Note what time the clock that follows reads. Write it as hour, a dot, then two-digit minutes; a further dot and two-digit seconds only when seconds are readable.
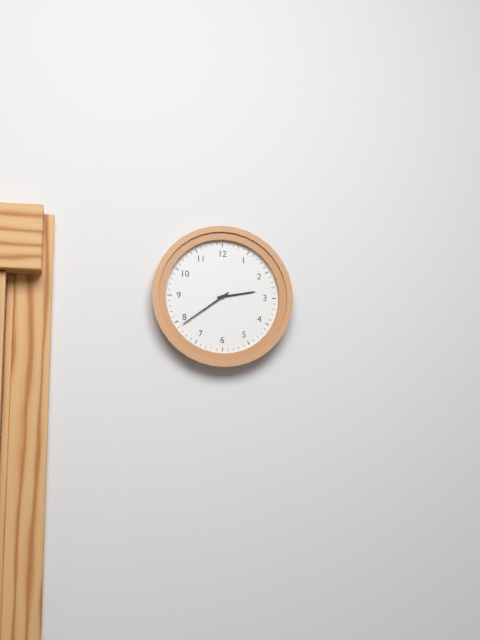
2.39
